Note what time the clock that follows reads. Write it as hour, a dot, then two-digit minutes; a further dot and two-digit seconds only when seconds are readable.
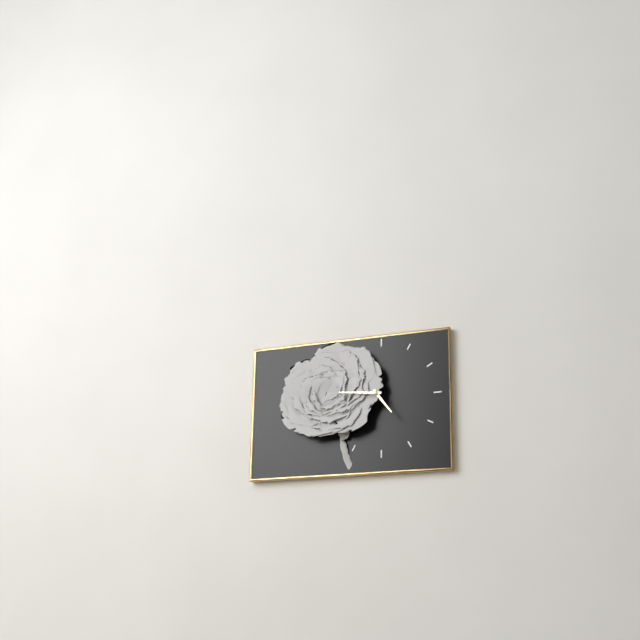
4.46
